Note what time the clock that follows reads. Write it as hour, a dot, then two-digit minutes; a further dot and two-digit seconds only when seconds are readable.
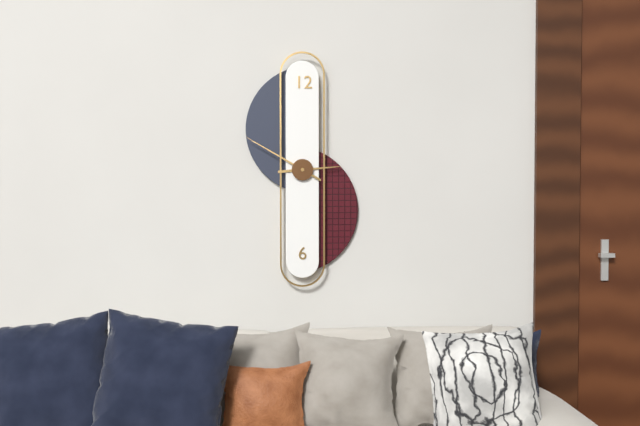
2.50
